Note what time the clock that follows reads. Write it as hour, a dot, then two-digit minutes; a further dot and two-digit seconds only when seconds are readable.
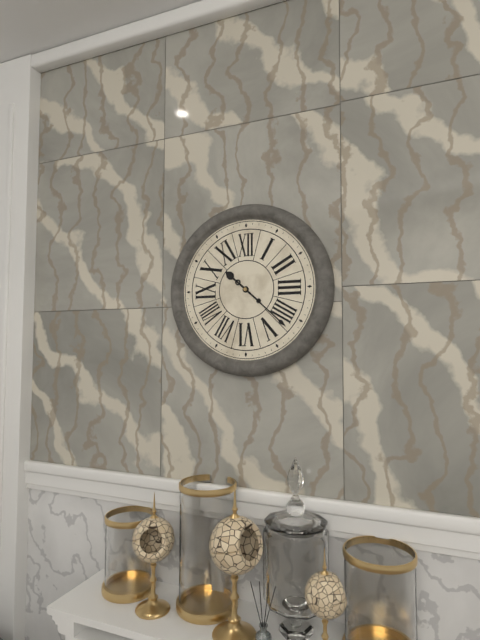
10.22
